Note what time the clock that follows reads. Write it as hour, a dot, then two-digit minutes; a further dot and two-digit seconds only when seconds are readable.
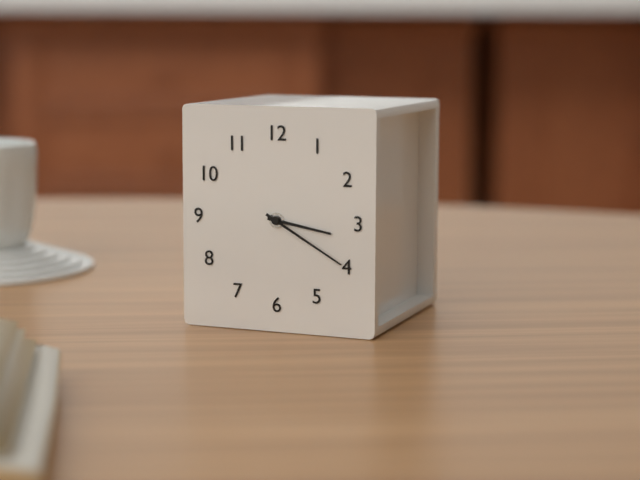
3.20
